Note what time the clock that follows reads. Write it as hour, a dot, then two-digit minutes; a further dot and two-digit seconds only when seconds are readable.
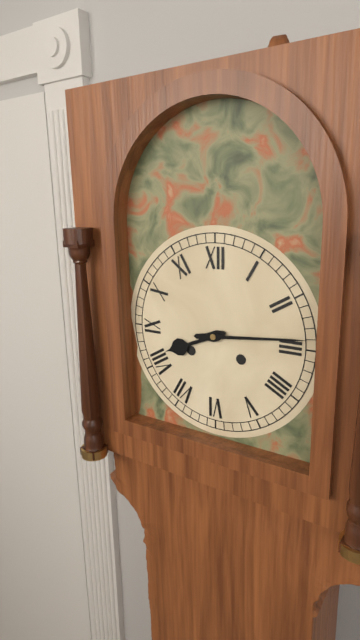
8.14
